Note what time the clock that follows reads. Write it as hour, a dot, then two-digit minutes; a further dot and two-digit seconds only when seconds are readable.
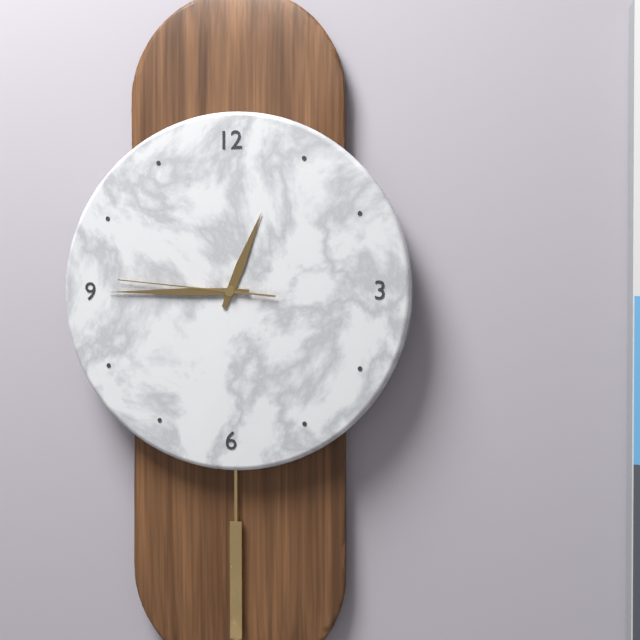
12.45.46
